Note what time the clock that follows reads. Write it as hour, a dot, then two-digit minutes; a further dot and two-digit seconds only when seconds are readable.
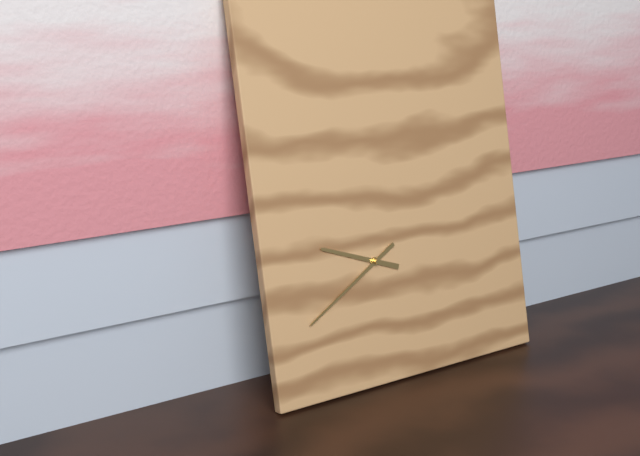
9.40
